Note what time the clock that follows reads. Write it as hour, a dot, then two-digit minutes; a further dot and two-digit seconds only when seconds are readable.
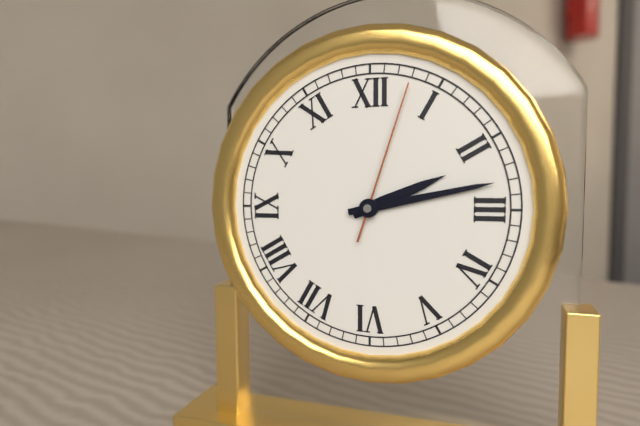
2.13.03
